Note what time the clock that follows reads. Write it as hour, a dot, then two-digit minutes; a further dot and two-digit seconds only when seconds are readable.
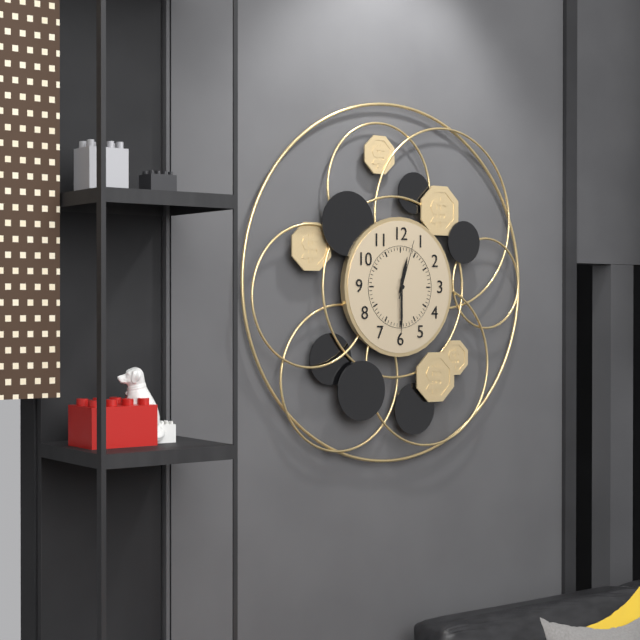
12.30.03
